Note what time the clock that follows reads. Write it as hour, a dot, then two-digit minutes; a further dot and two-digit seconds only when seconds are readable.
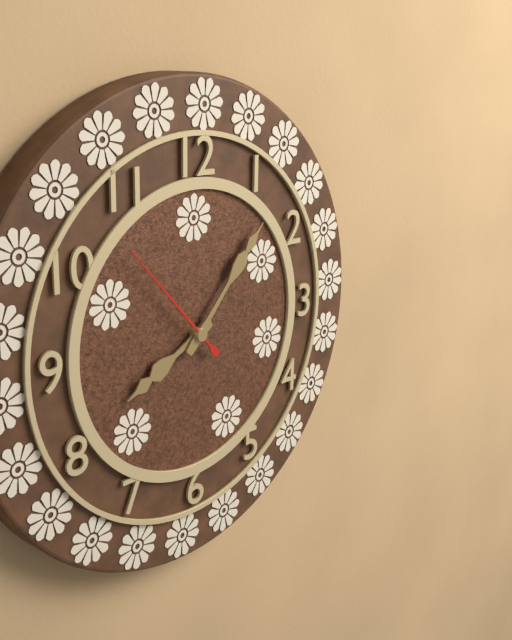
8.07.53
